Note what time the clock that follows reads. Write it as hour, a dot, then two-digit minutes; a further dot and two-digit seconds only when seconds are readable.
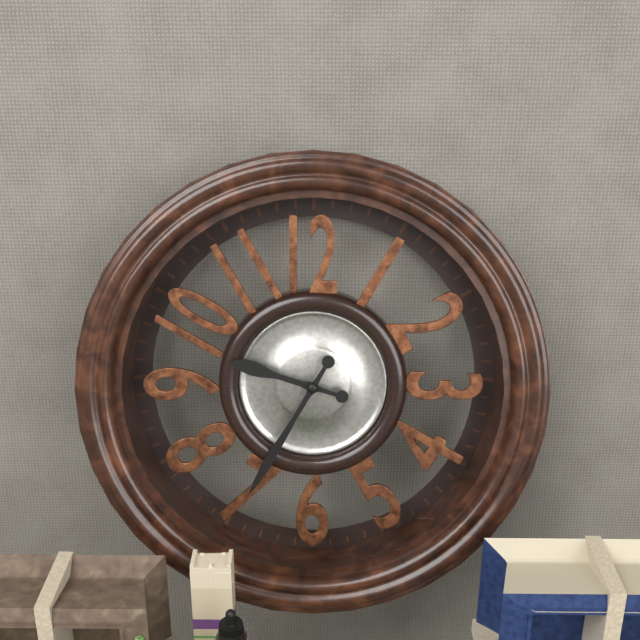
9.35
